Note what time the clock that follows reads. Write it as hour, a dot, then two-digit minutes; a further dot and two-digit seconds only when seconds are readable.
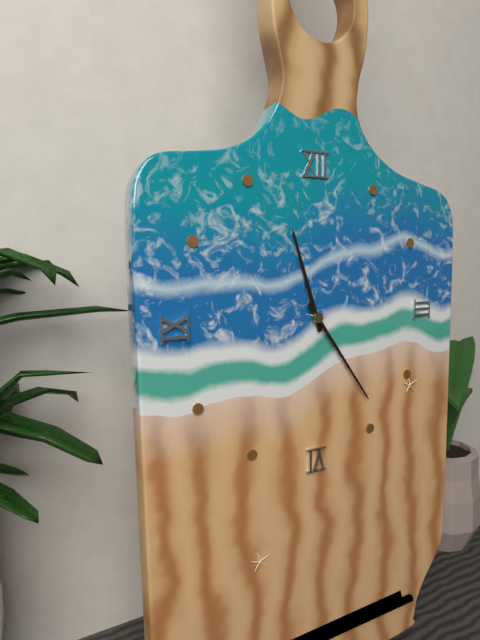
11.24
